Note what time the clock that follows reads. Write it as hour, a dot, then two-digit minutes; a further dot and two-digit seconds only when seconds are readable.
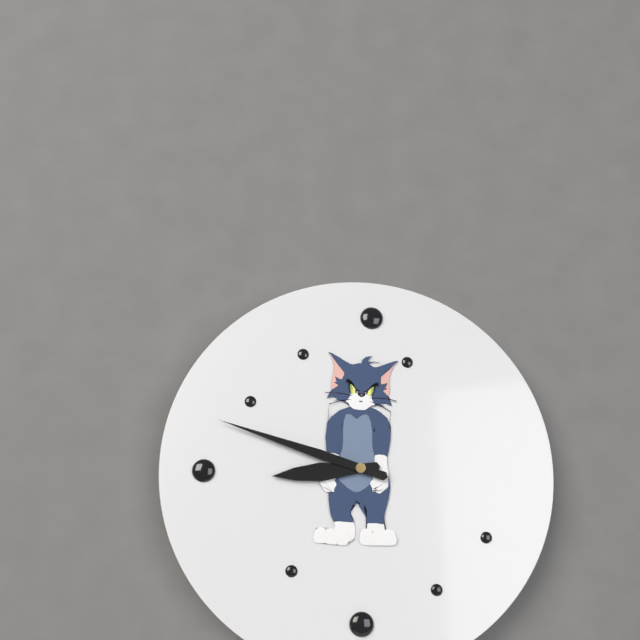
8.48
